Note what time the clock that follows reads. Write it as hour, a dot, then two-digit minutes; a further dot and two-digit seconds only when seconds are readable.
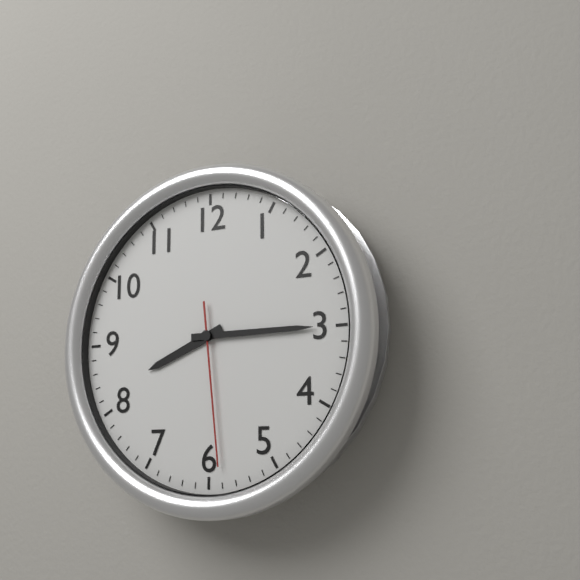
8.15.29
